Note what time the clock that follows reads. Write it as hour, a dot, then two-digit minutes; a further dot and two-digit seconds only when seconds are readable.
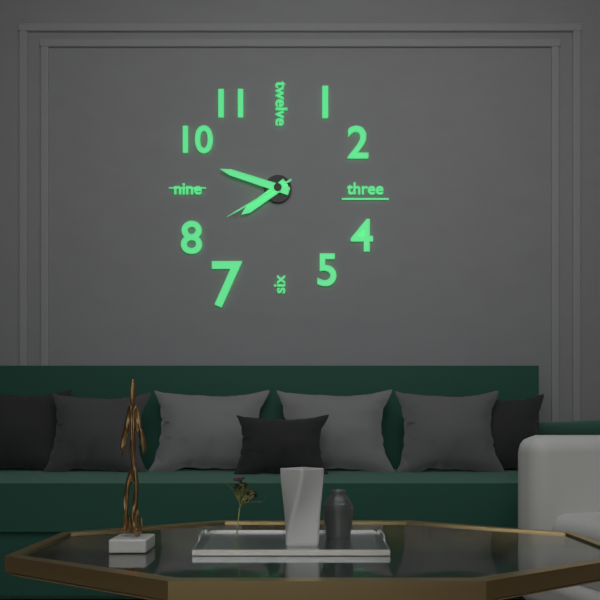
7.48.40
